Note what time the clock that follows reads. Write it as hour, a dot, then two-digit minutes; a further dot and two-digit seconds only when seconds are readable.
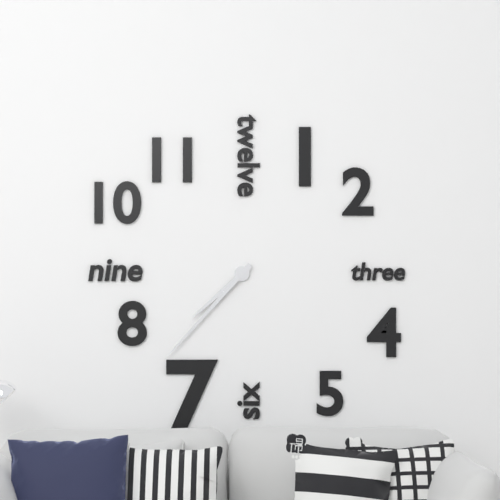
7.37
